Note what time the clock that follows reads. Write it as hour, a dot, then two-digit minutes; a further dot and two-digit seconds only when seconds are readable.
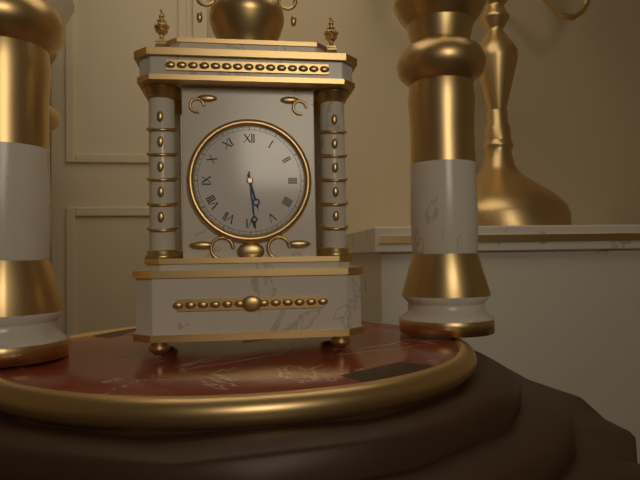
5.29
